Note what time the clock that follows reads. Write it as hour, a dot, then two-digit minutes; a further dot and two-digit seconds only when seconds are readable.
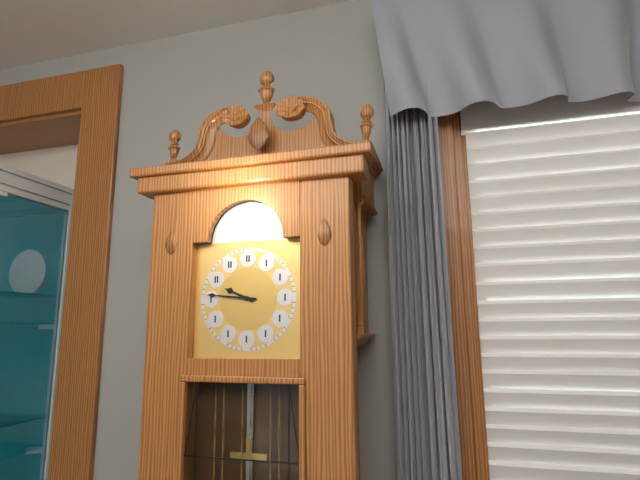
9.46
